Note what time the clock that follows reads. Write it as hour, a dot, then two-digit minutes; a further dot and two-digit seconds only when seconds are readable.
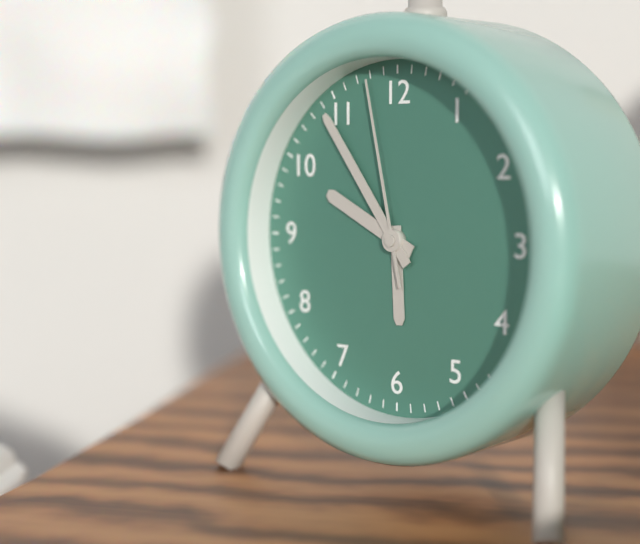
9.54.58
